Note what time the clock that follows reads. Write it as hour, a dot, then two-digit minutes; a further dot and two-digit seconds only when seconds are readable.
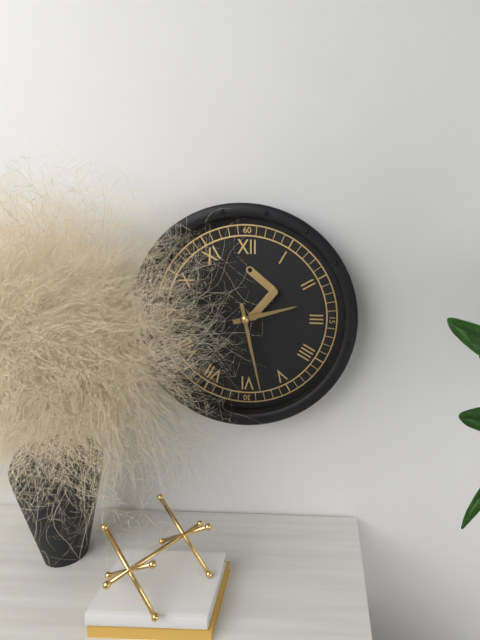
2.28
